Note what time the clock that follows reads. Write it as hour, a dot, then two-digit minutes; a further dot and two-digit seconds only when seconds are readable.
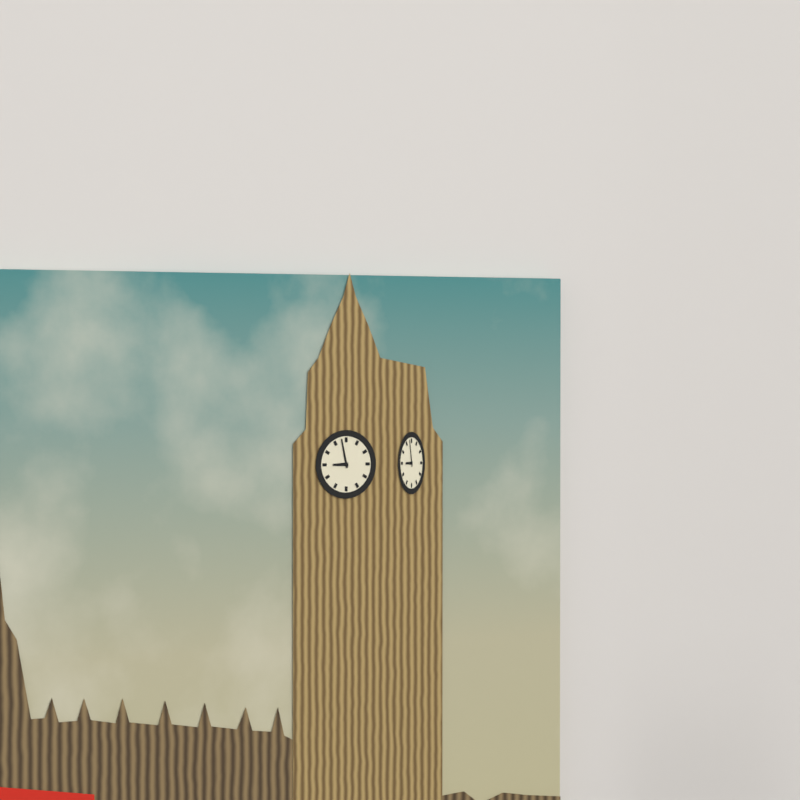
8.58
